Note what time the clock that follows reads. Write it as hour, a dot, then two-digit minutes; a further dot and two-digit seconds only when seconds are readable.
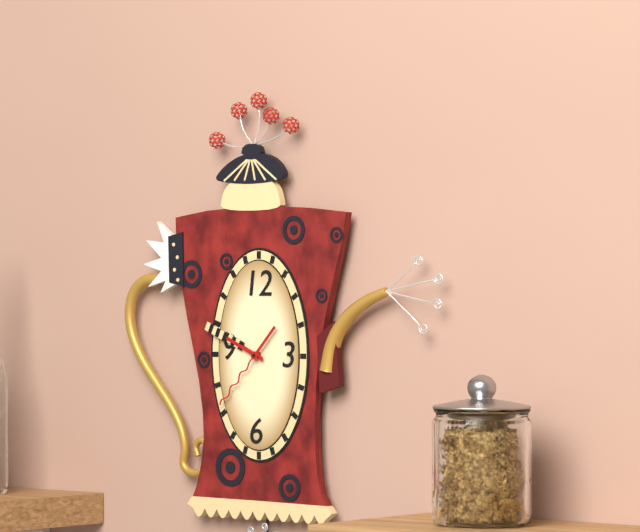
9.49.37
